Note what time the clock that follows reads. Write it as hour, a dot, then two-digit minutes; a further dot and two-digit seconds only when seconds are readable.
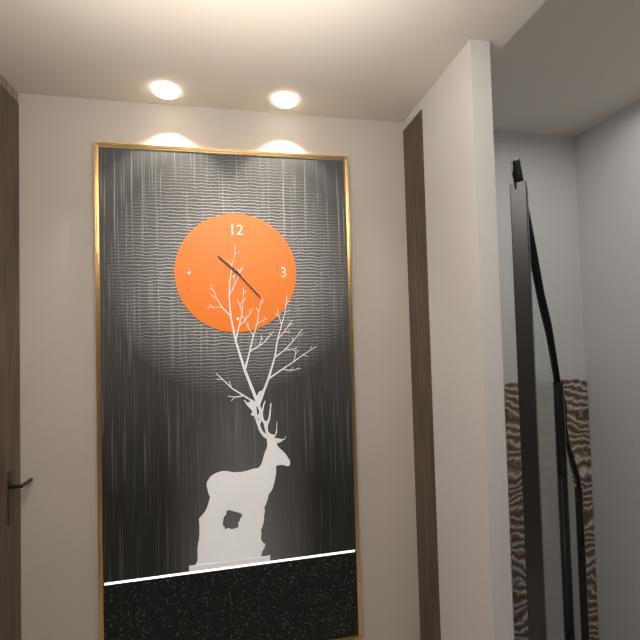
10.23
